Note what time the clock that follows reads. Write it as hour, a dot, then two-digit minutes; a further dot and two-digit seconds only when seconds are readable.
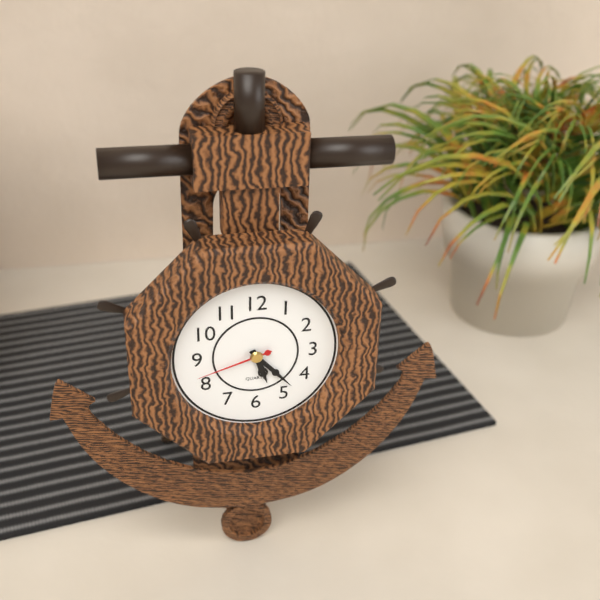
5.23.42
